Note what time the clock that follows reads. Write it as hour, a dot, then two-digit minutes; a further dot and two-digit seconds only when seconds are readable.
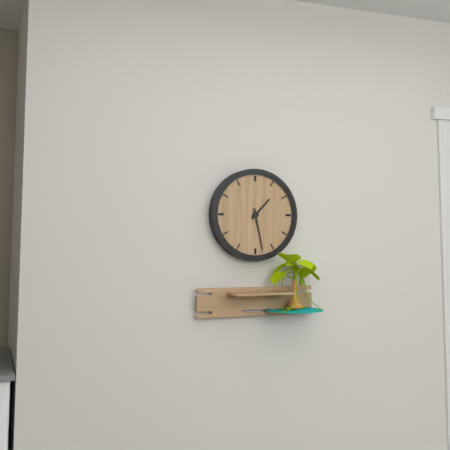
1.28
